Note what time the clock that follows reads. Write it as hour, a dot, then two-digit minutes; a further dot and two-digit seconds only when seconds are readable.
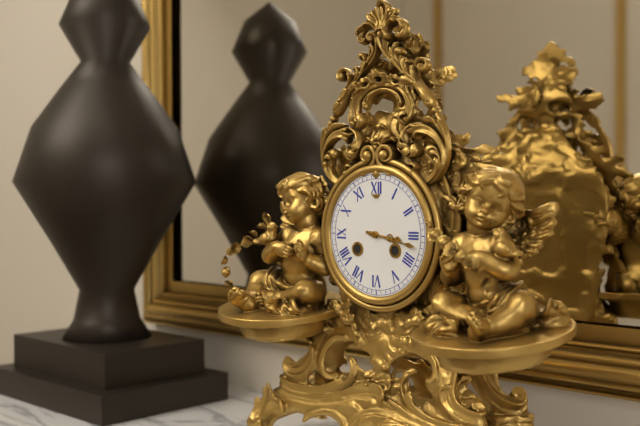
3.17
